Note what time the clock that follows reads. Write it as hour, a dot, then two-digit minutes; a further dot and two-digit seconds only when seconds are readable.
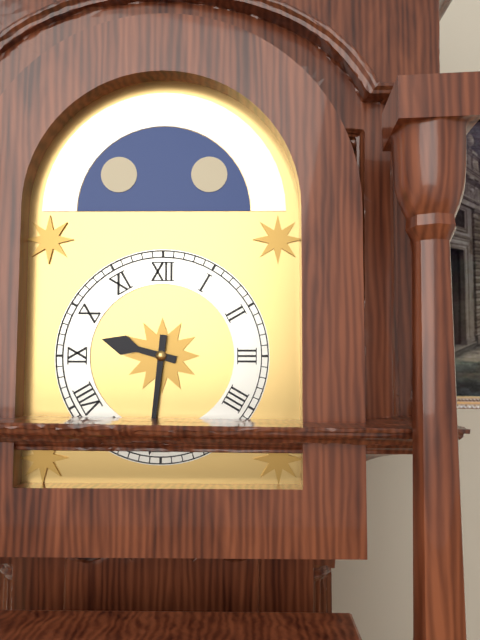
9.31
